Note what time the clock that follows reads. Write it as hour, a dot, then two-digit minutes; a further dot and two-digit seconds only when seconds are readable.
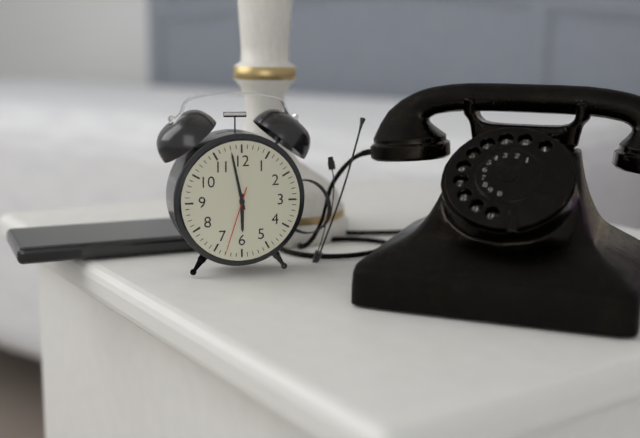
5.58.33
